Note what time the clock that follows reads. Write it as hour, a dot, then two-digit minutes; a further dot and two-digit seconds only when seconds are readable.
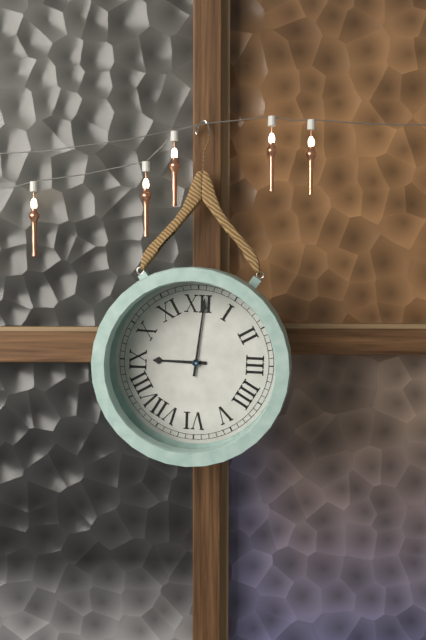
9.01
